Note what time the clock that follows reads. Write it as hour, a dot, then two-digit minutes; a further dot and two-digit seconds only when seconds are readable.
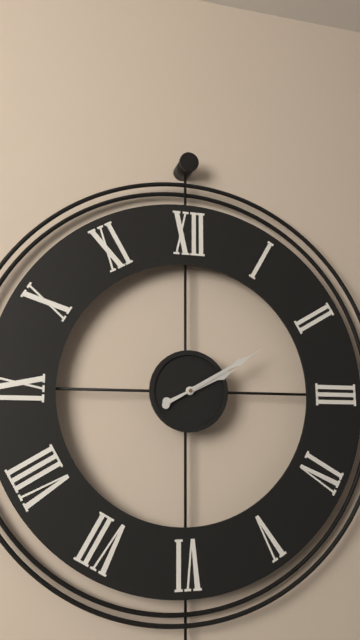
2.10
